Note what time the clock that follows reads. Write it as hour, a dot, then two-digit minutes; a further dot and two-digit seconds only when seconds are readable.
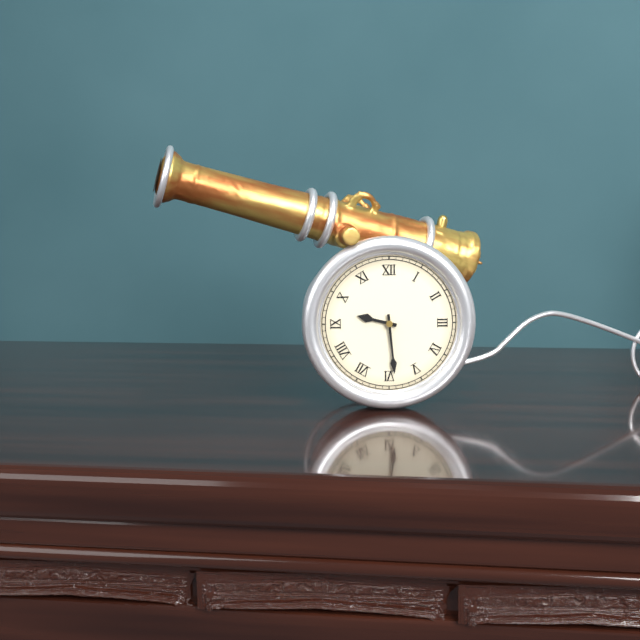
9.29
